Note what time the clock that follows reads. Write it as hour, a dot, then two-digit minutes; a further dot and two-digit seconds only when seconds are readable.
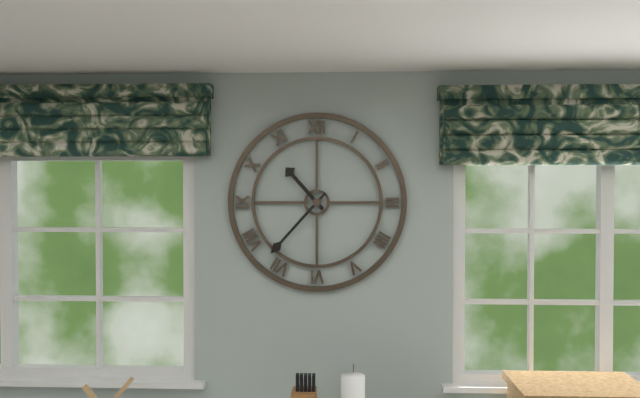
10.37
